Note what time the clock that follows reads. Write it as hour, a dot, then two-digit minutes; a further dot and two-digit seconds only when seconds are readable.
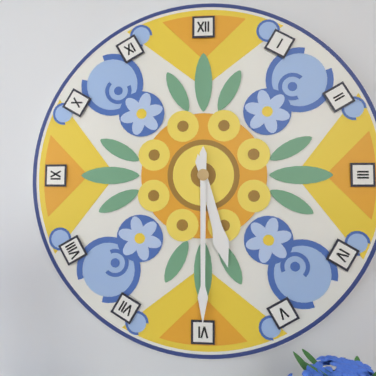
5.30
